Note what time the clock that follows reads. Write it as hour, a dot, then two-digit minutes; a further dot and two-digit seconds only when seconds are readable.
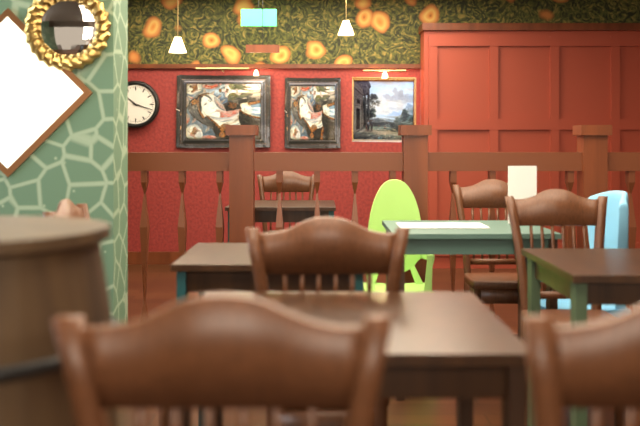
10.18
